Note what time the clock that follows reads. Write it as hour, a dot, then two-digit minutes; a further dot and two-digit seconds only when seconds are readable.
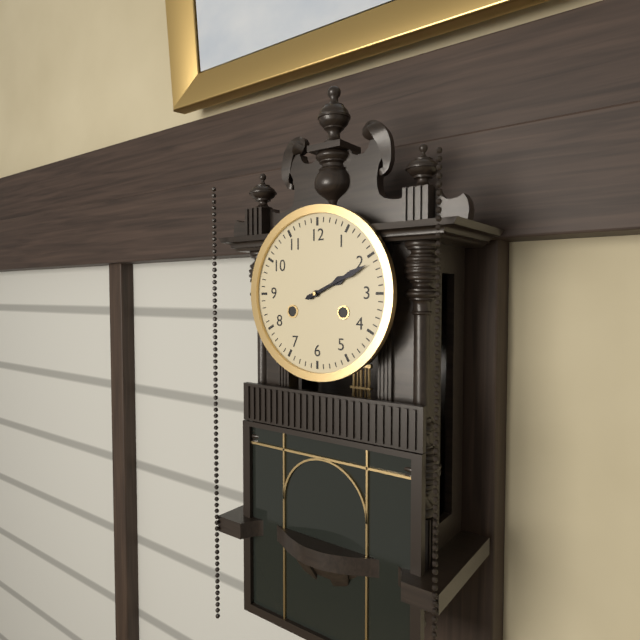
2.11
